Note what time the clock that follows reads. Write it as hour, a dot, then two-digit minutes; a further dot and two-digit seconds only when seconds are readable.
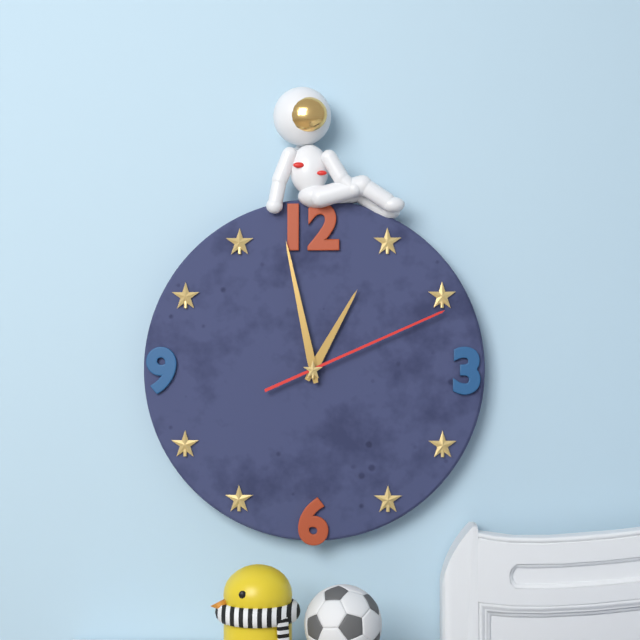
12.58.11
